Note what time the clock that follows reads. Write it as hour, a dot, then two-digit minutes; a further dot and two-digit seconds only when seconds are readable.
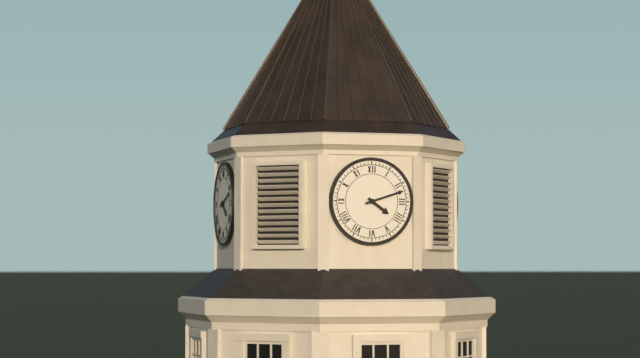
4.12
